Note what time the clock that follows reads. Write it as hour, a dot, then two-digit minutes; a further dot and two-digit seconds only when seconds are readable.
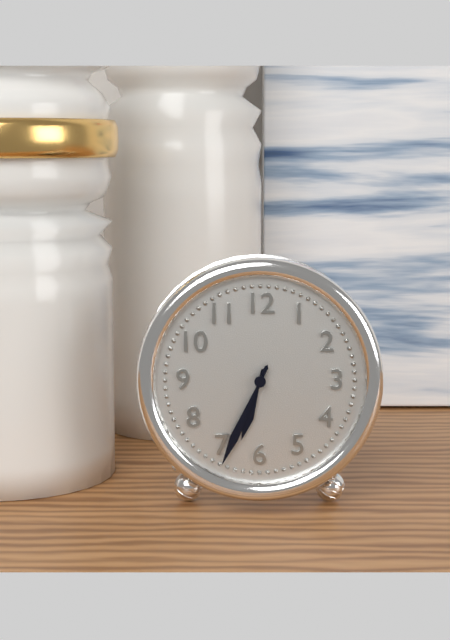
6.34
